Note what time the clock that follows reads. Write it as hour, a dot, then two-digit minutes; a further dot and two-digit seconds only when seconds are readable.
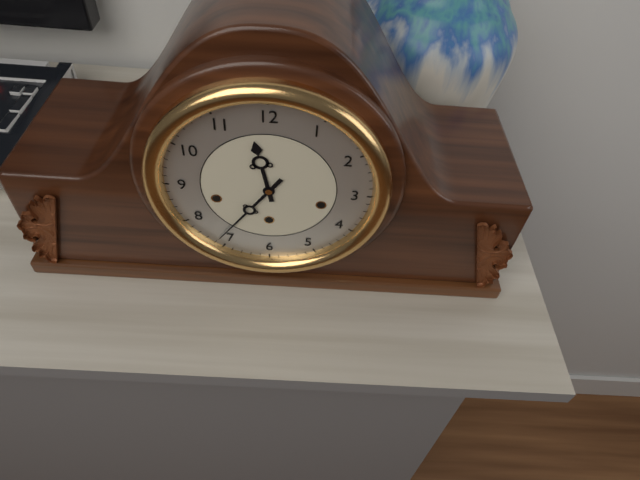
11.36
